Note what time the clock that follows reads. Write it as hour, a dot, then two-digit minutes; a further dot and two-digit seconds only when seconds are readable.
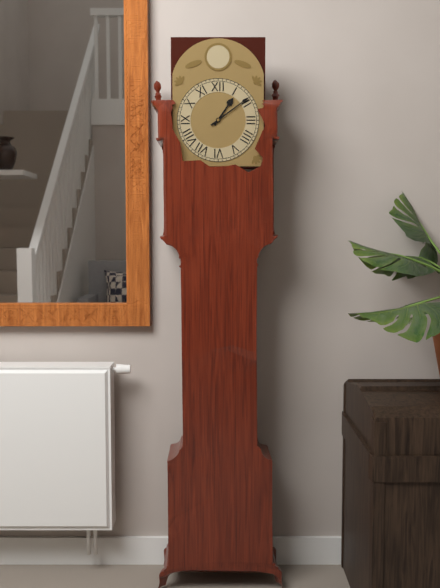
1.09
